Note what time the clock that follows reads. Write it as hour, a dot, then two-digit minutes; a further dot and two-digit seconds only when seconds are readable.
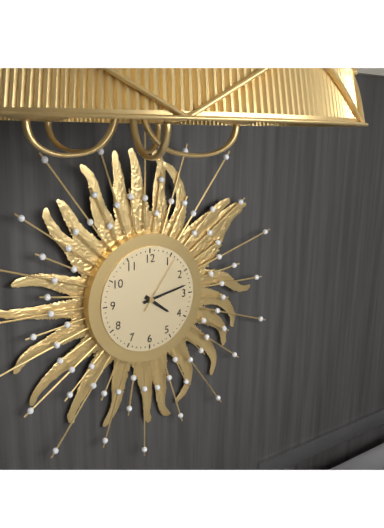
4.13.06
